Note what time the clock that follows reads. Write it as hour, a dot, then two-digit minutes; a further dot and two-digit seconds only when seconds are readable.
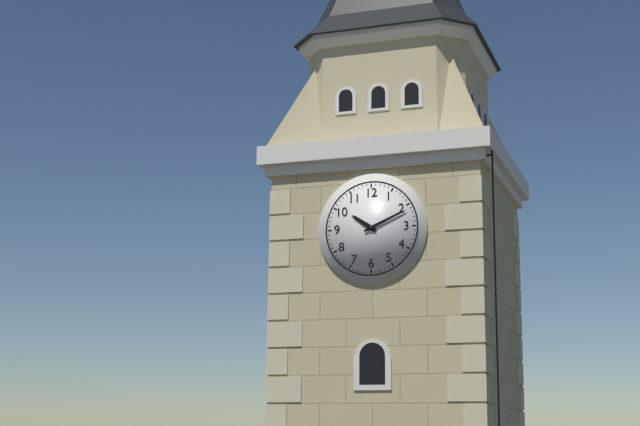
10.11
